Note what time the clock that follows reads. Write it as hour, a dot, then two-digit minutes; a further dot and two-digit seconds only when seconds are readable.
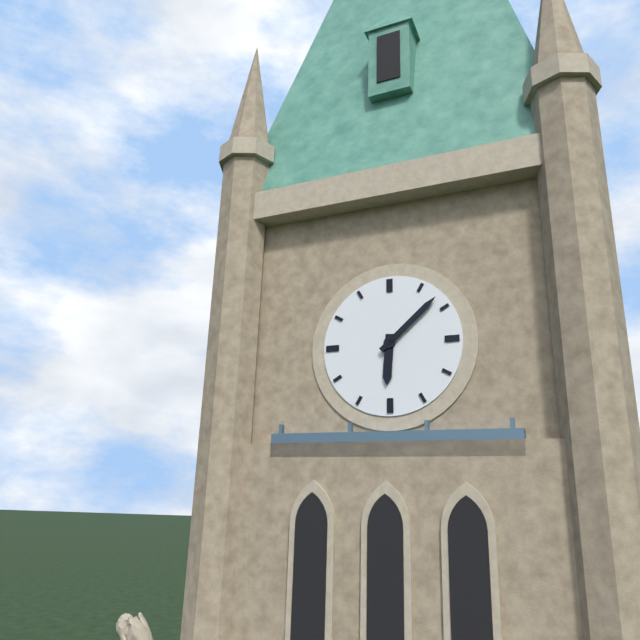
6.08
